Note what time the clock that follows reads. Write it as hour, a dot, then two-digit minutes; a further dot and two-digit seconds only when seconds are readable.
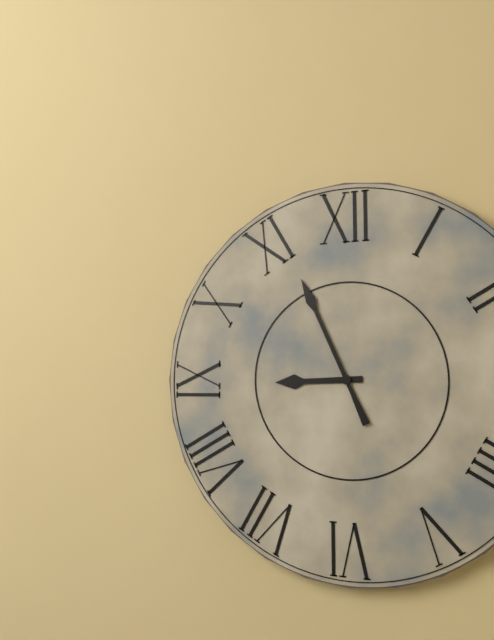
8.56
